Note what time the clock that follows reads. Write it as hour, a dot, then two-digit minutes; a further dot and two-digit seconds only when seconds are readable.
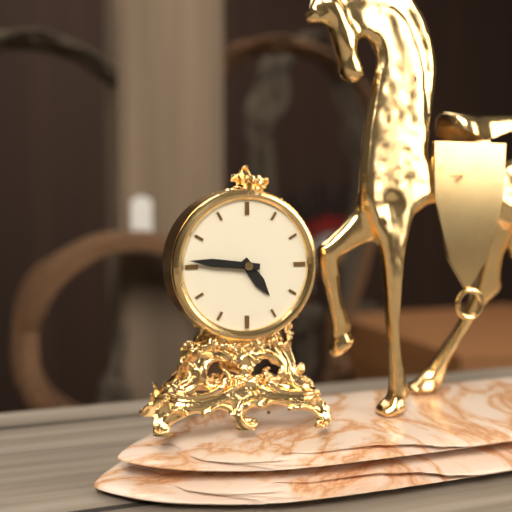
4.46
